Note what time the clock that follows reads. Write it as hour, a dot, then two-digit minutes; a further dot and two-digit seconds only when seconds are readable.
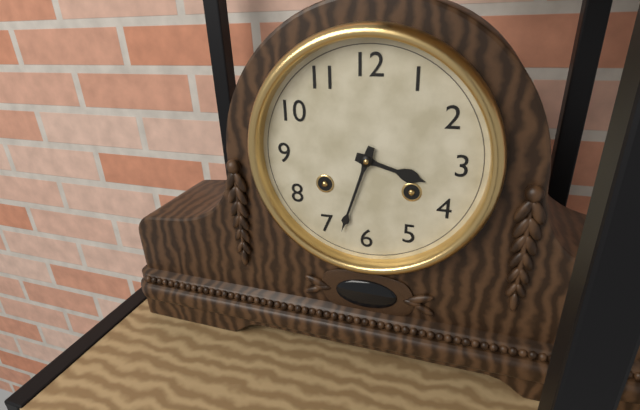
3.33
